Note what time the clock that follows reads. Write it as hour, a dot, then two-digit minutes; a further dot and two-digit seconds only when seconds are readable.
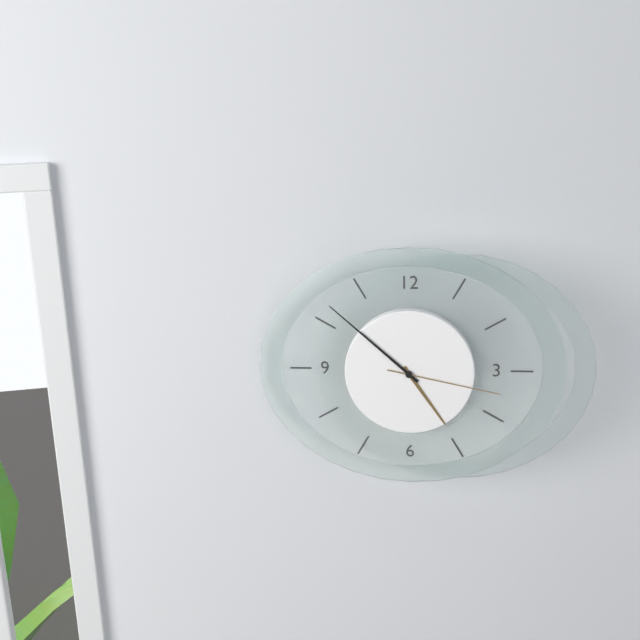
4.52.17
